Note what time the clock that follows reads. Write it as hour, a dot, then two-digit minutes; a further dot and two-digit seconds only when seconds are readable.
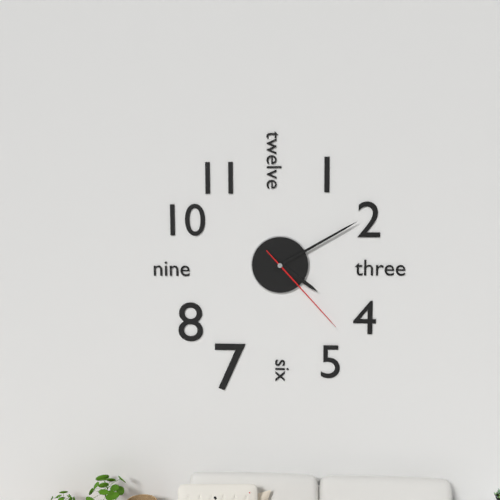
4.10.23
